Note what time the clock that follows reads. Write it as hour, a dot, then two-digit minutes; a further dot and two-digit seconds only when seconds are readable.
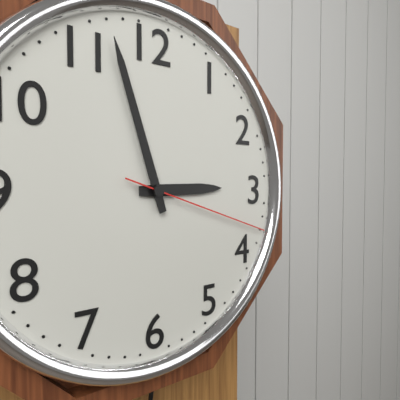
2.57.18
